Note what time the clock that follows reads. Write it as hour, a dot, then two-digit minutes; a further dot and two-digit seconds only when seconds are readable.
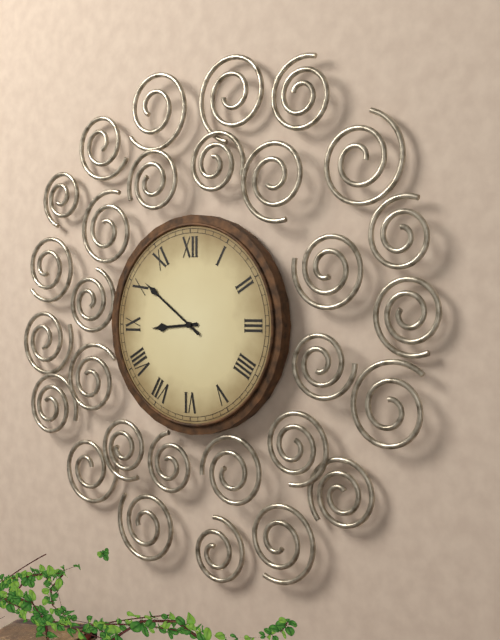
8.51
